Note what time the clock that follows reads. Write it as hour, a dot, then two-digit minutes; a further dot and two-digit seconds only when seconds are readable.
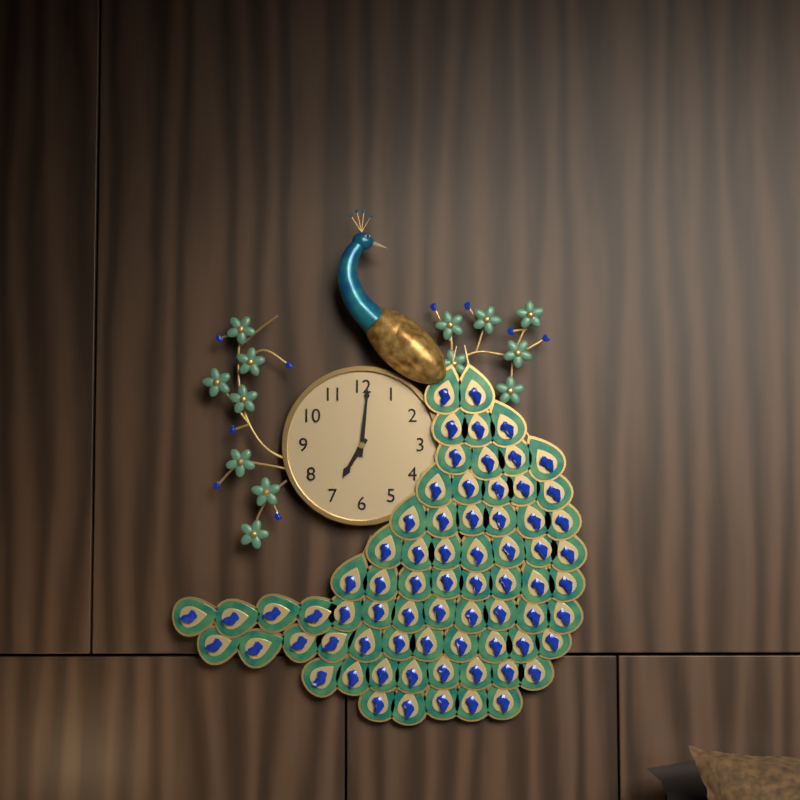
7.01
